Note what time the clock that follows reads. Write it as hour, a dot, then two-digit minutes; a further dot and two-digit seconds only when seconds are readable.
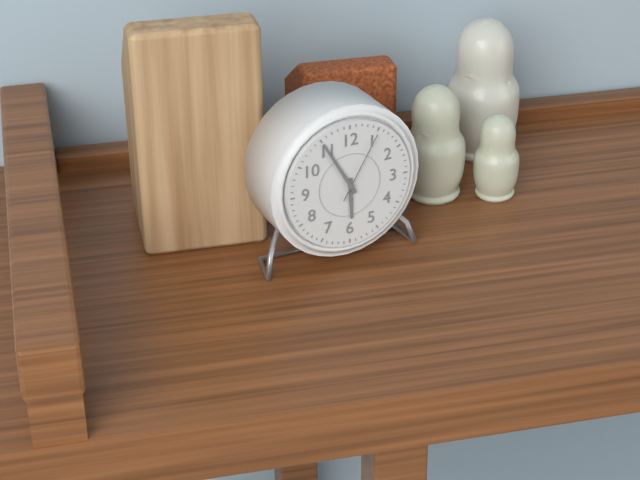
5.55.05
